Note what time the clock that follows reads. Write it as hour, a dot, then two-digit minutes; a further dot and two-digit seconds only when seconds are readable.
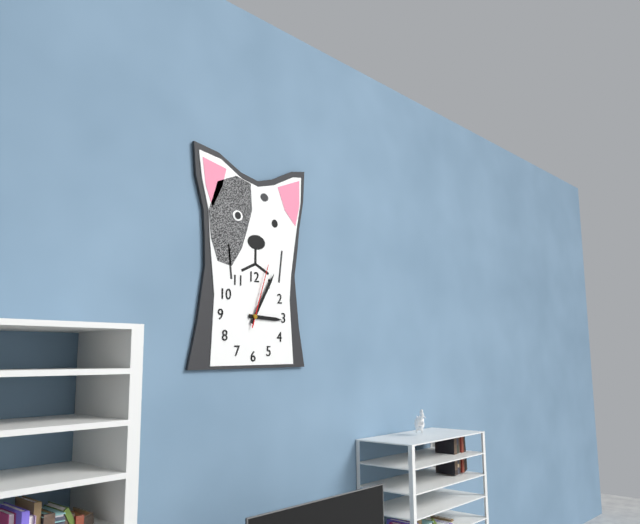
3.05.03
